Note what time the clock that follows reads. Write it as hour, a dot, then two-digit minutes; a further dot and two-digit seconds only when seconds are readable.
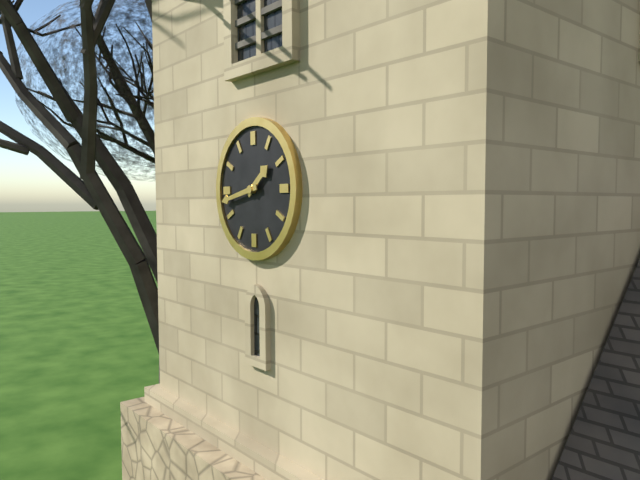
1.43
